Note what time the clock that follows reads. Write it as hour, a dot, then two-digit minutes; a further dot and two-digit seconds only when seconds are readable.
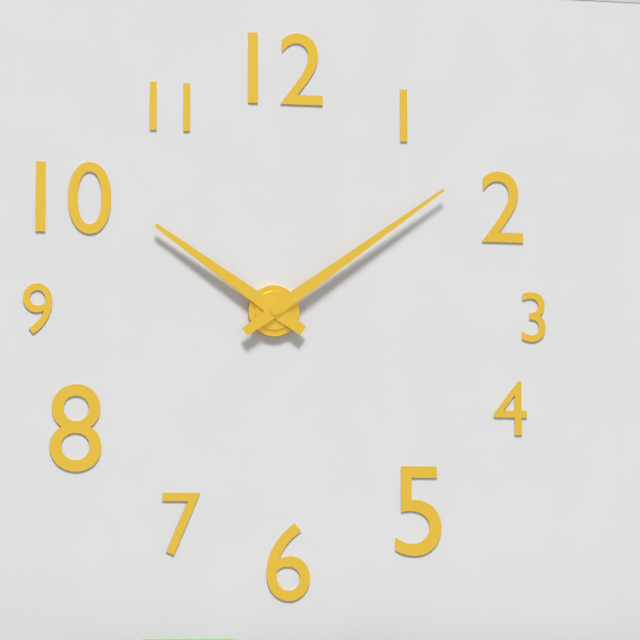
10.09
